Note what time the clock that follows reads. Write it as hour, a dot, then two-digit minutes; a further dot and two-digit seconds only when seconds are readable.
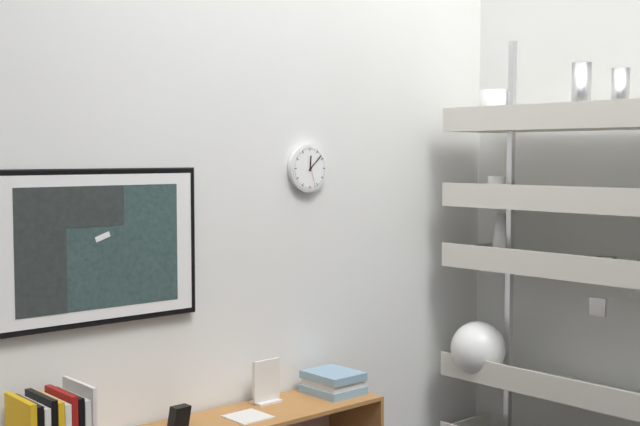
12.08
